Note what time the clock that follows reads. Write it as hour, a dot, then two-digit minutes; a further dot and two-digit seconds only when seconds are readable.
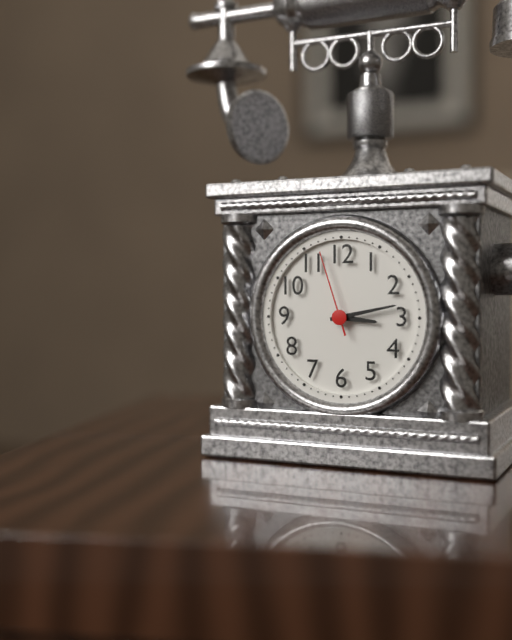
3.13.57
